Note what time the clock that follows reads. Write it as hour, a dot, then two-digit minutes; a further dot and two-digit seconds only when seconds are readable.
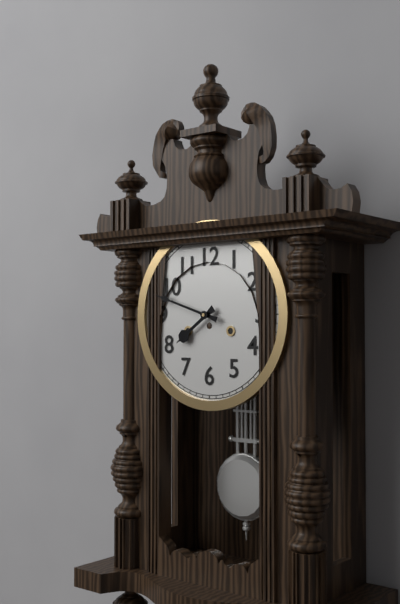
7.48
